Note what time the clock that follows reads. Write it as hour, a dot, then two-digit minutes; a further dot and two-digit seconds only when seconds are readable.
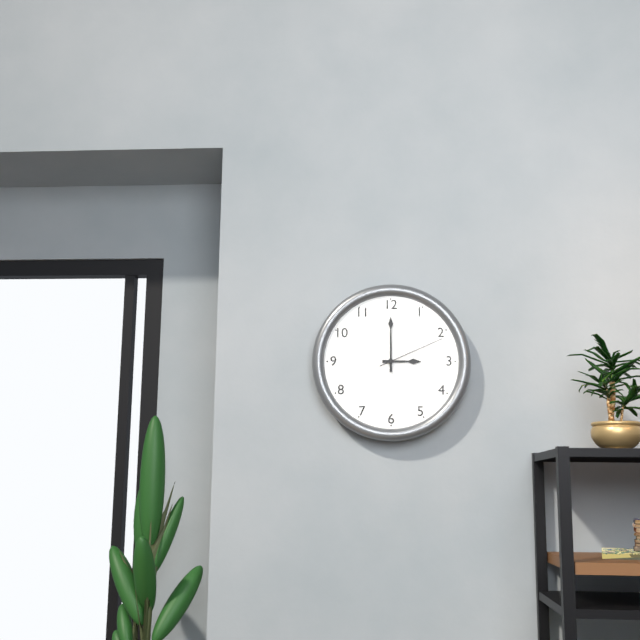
3.00.11
